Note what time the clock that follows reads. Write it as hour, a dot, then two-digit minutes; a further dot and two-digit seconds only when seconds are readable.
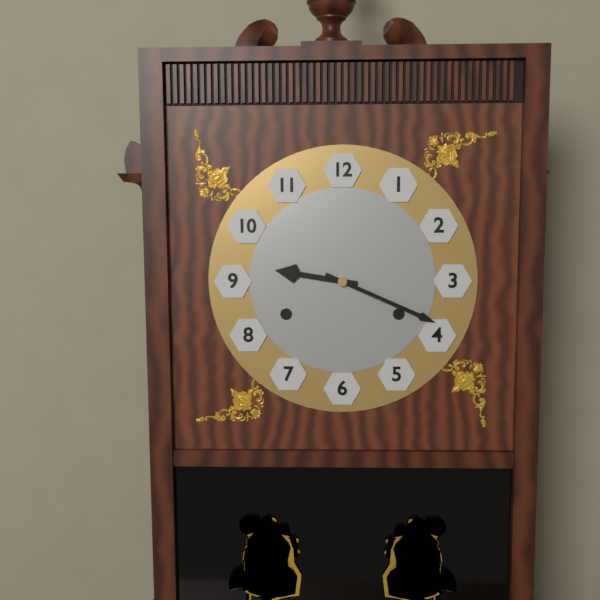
9.19
